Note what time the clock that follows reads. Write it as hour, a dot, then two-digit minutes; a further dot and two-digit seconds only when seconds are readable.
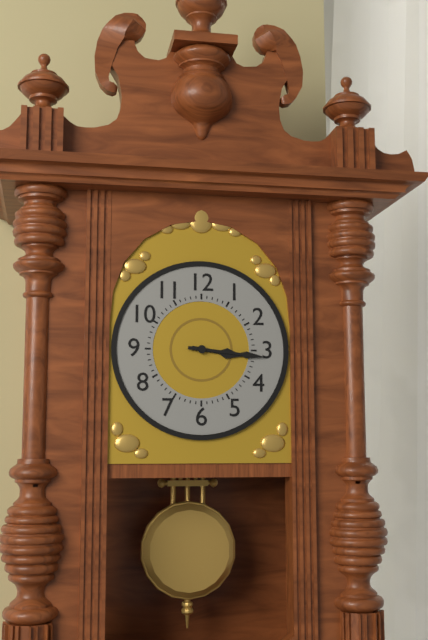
3.16
